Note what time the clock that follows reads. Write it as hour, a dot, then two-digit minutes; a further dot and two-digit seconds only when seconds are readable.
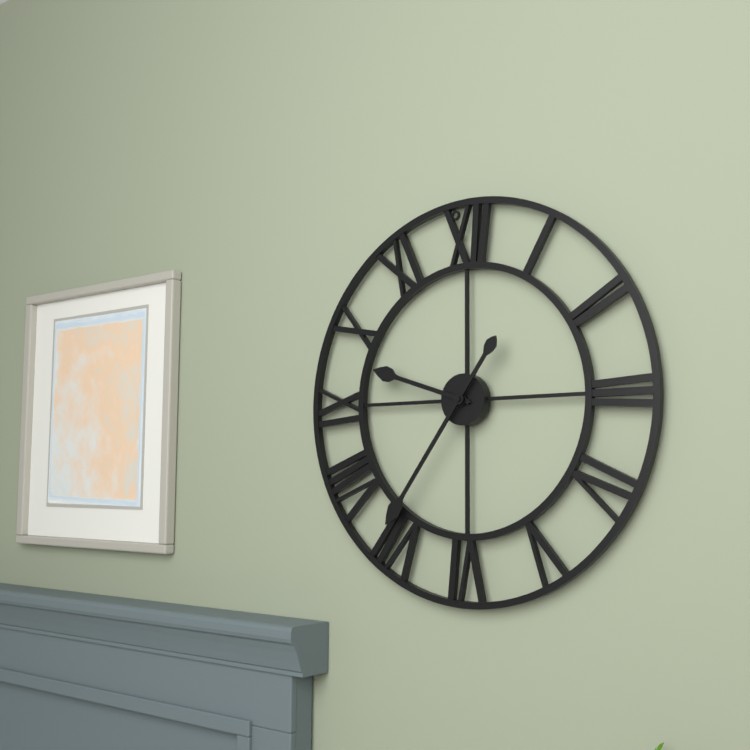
9.36
